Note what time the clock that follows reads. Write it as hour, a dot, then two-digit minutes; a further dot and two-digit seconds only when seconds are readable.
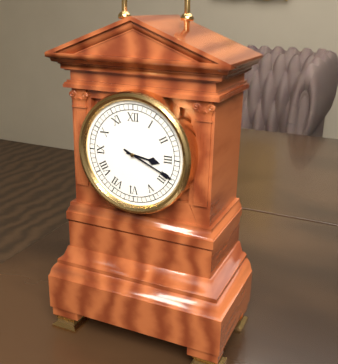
3.19
